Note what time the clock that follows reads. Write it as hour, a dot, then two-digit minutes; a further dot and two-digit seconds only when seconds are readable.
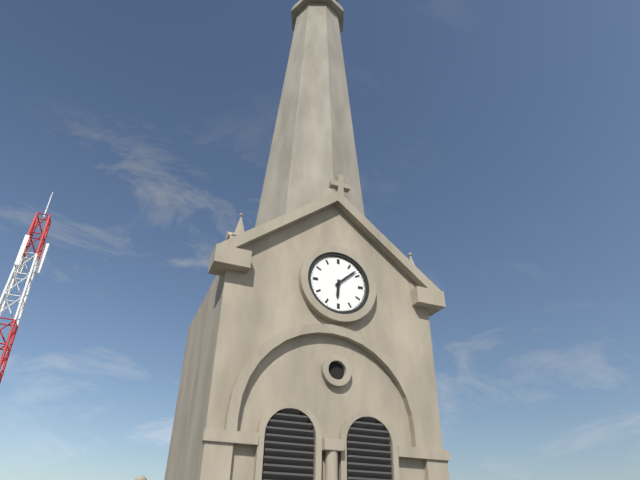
6.08
